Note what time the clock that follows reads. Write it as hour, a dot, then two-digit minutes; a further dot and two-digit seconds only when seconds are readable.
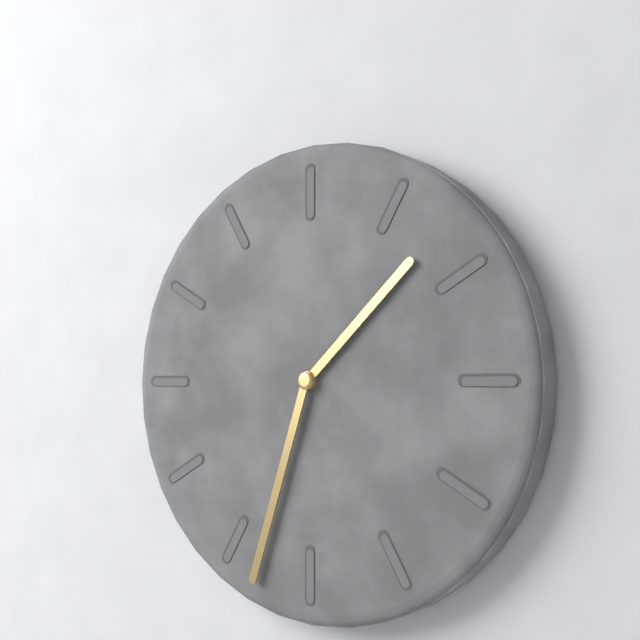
1.33
